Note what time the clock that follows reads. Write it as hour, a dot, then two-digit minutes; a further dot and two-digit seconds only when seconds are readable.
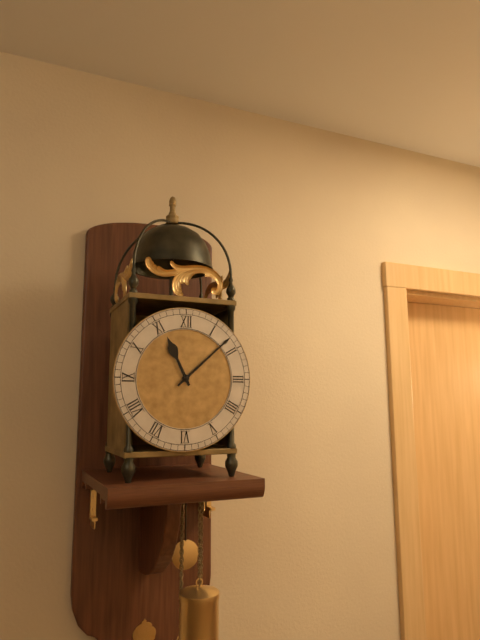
11.08
